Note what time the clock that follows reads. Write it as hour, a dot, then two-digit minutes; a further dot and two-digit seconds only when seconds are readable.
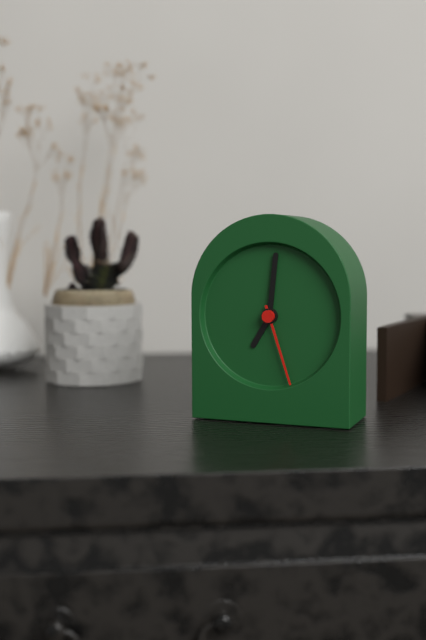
7.01.27
